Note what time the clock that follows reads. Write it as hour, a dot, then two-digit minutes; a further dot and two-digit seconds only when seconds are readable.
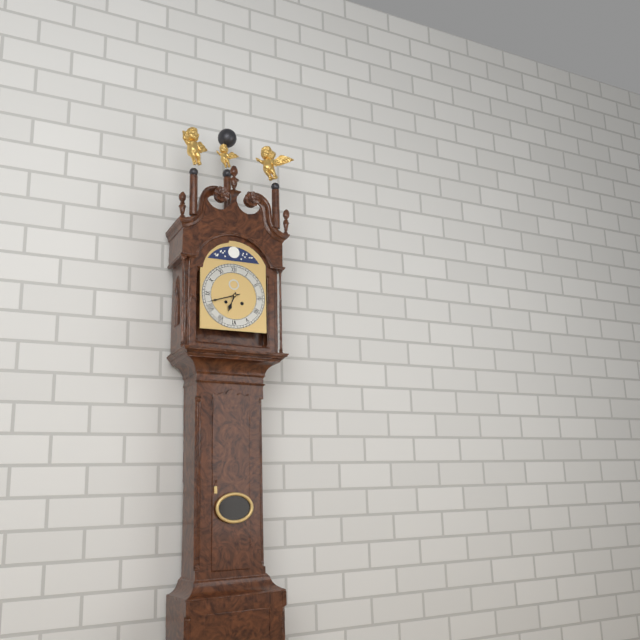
6.42
